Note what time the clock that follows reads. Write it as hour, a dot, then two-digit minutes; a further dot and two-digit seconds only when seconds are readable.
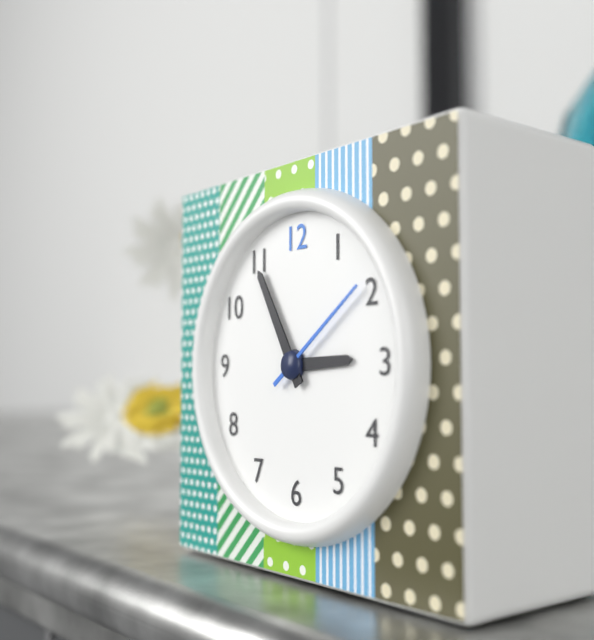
2.55.09
